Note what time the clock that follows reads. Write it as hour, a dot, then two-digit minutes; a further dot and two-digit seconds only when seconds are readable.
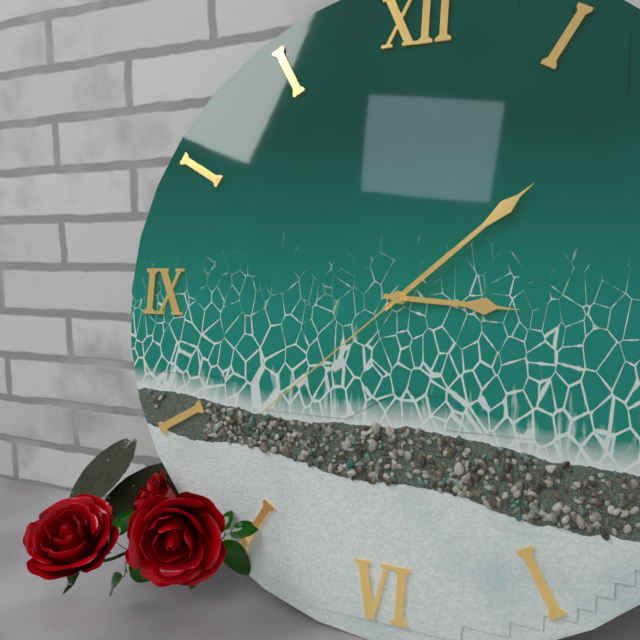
3.08.38
